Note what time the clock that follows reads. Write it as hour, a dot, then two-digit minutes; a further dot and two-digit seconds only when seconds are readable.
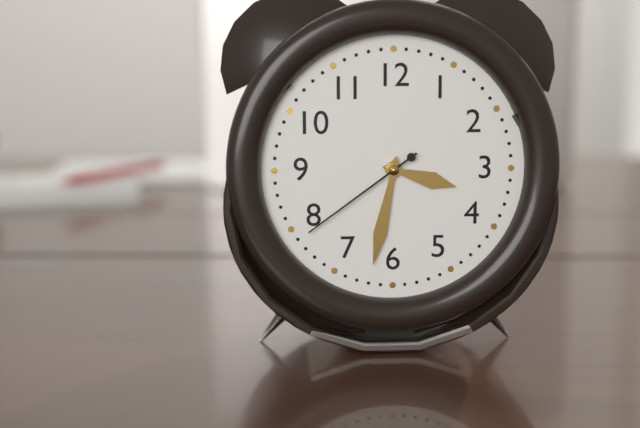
3.32.39
